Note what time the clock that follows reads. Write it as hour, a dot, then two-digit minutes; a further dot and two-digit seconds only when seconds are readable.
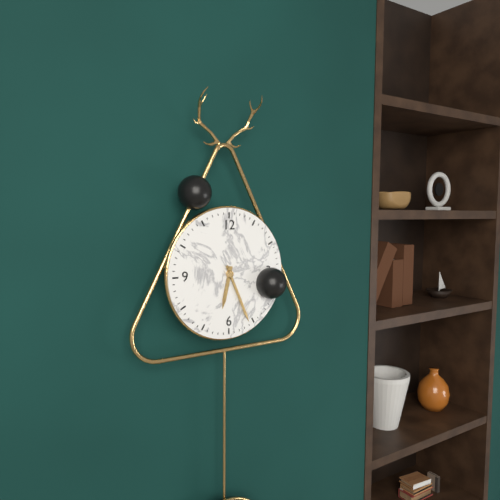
6.26
